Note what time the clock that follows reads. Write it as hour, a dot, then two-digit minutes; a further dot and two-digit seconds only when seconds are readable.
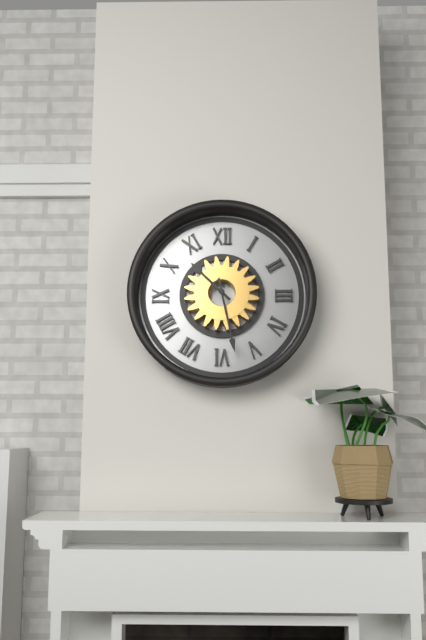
10.28
